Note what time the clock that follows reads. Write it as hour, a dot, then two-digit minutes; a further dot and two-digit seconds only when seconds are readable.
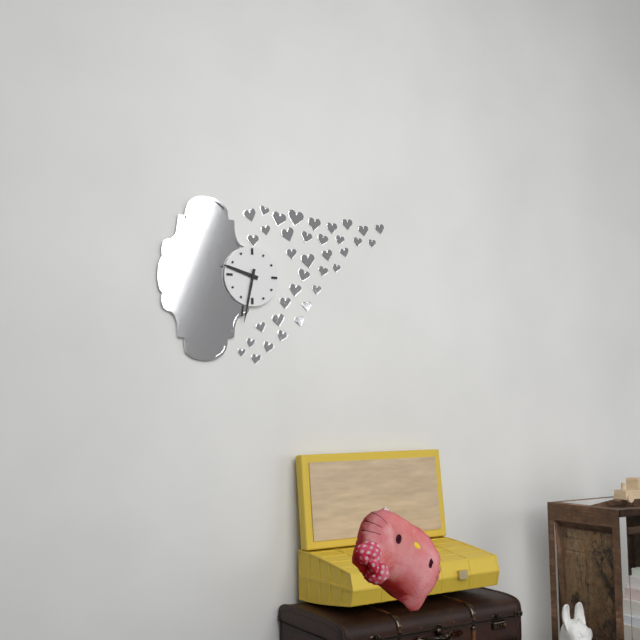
9.32
